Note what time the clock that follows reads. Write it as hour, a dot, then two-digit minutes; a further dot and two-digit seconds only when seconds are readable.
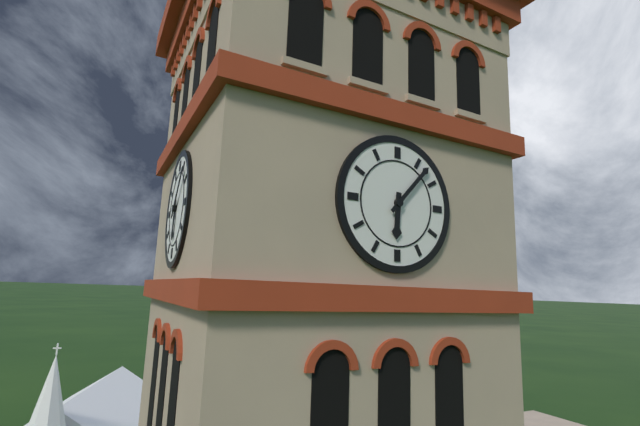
6.07
